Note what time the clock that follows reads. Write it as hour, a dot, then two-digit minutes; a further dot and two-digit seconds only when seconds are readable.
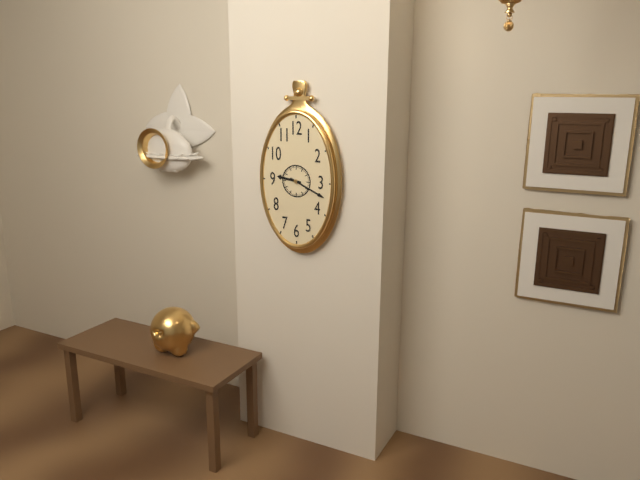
9.19
